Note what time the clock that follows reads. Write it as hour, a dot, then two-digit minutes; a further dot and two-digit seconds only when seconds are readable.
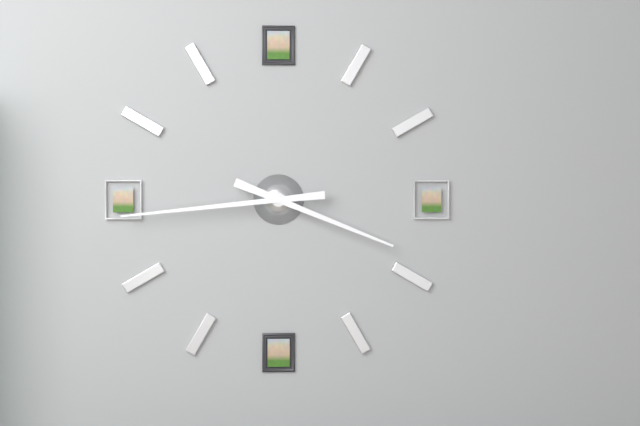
3.44
